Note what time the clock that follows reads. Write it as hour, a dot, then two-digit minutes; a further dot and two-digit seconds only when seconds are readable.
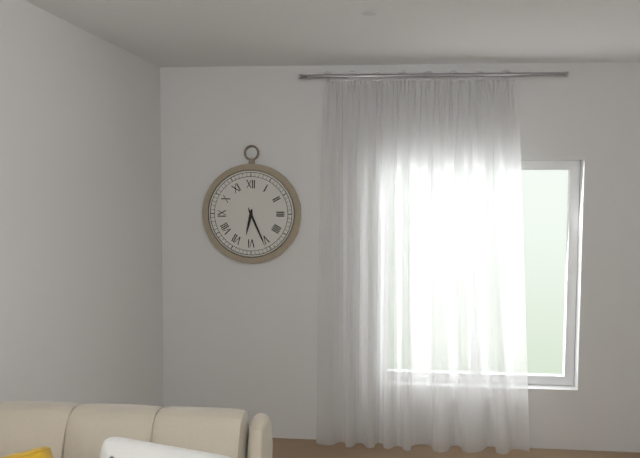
6.26
